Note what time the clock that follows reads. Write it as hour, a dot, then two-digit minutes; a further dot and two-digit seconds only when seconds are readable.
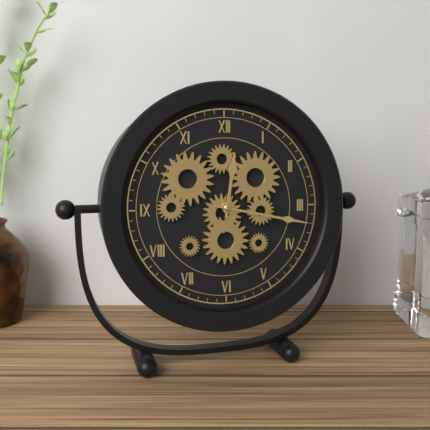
12.17
